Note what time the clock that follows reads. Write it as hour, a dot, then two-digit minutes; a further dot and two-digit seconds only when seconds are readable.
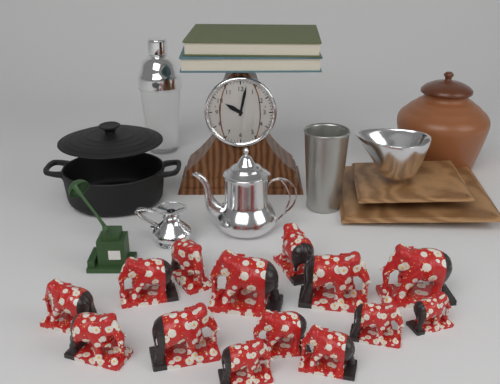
10.02
